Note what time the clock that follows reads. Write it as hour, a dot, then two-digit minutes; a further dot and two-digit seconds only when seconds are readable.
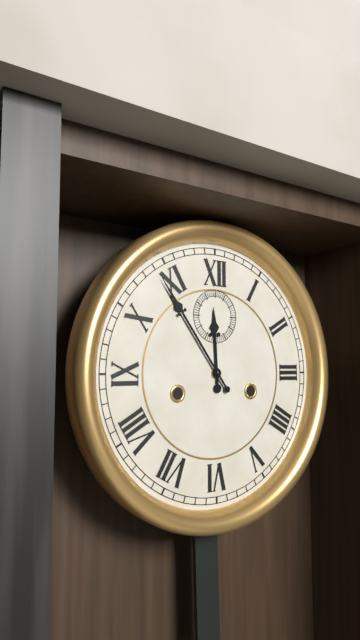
11.54
